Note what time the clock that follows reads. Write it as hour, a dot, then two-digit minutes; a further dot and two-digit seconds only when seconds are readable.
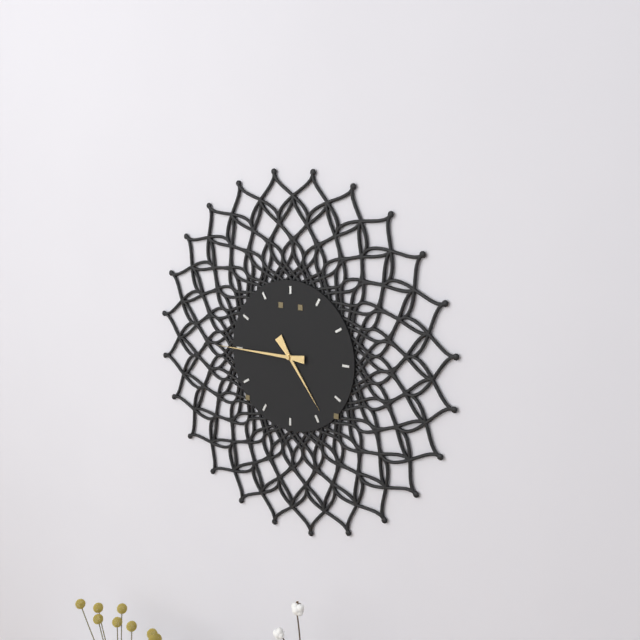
4.45
